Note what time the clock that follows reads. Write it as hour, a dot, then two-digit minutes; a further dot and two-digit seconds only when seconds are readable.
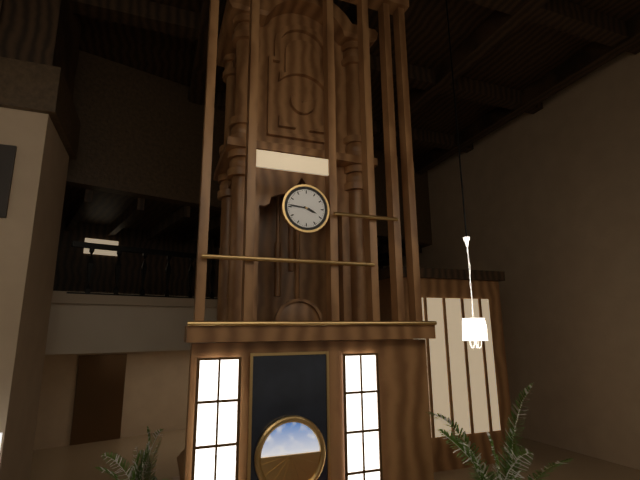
3.46
